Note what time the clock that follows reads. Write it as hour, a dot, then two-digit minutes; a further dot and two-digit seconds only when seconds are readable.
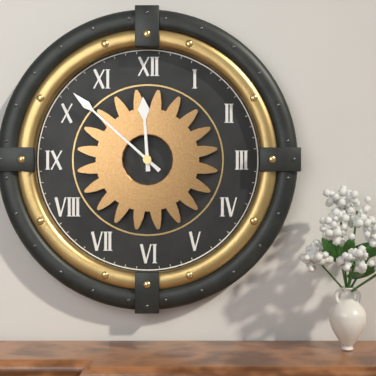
11.52
